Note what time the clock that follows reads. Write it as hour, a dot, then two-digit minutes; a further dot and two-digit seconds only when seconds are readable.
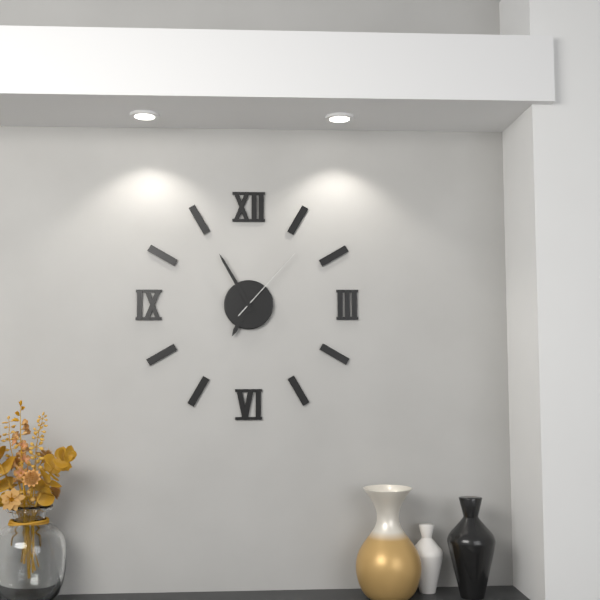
6.55.07
